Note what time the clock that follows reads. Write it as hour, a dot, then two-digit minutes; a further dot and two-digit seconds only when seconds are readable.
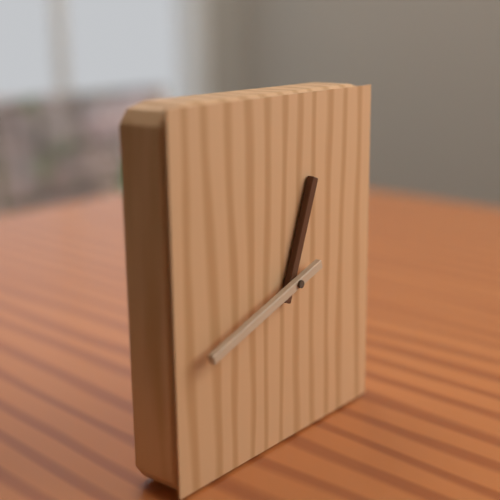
12.42
